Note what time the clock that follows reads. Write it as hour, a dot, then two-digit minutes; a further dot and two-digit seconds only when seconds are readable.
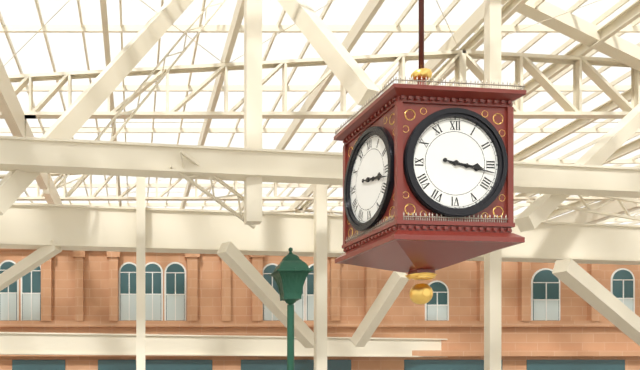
3.17
